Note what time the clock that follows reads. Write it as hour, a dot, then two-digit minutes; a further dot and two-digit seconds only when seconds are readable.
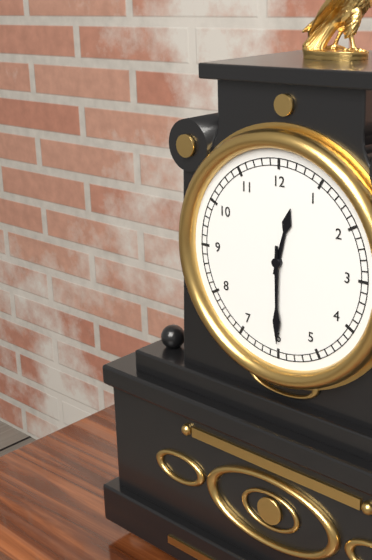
12.30
